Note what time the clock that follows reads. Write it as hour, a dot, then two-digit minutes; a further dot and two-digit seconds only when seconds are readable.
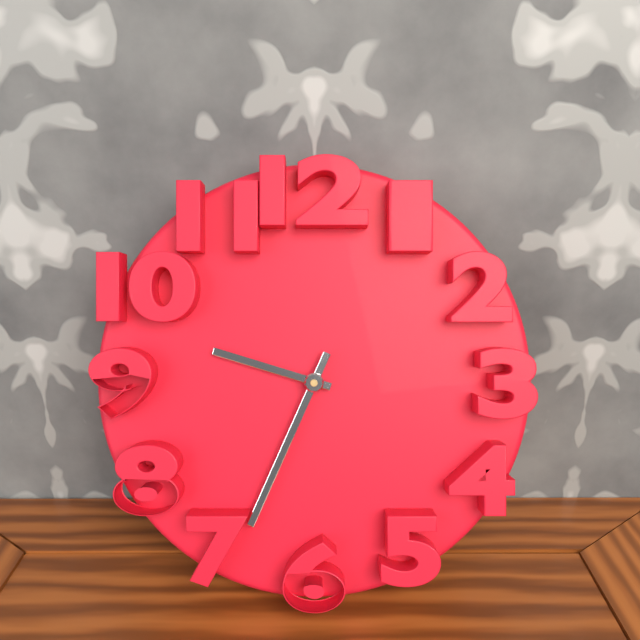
9.34
